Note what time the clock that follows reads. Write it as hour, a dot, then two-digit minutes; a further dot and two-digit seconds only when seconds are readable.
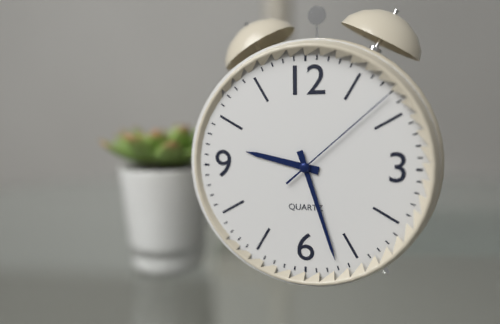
9.27.08
